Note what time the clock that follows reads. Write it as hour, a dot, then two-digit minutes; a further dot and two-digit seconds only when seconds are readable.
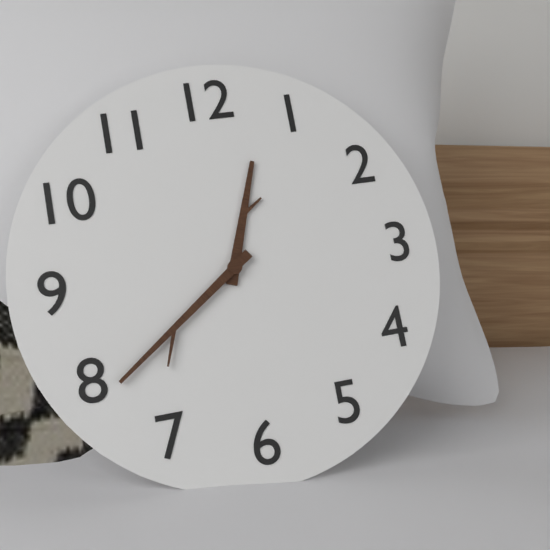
12.39
